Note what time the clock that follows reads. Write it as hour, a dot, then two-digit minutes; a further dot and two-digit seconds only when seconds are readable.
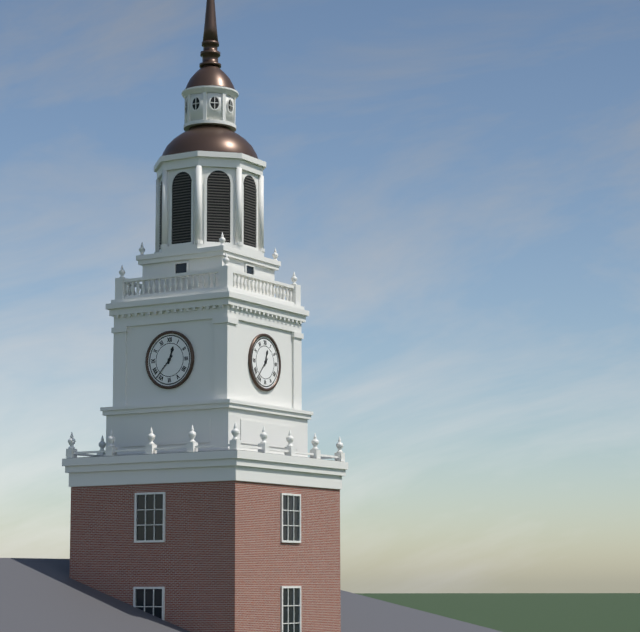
12.37
